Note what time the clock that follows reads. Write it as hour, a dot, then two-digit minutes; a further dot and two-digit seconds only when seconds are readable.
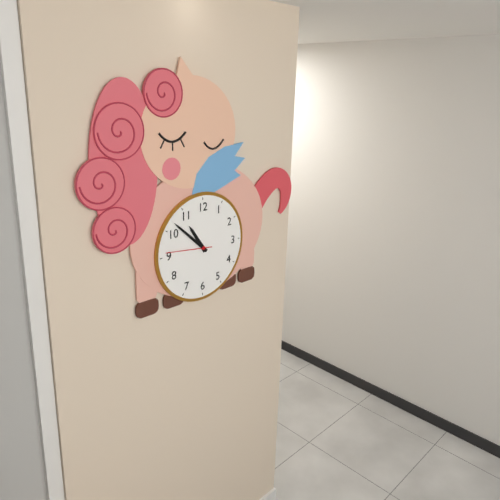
10.52
